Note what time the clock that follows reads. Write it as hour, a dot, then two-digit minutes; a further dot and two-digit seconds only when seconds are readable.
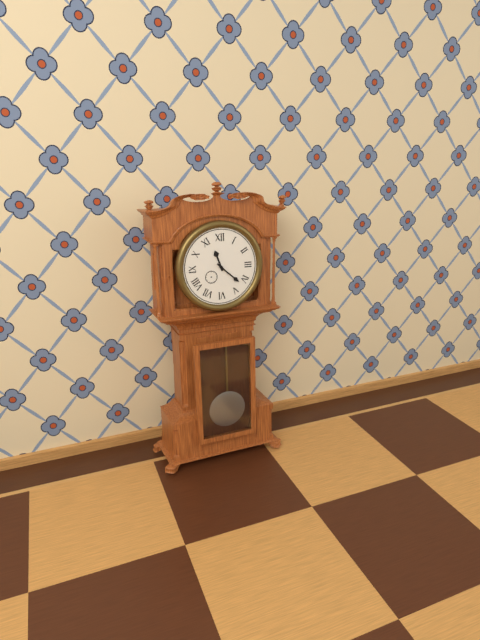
11.22
